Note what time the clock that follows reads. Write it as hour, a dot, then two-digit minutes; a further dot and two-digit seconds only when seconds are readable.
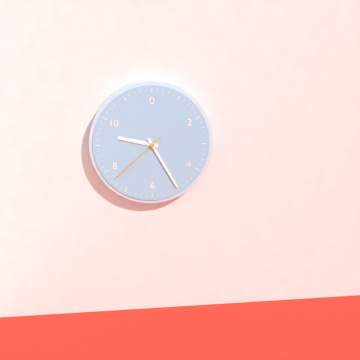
9.25.38
